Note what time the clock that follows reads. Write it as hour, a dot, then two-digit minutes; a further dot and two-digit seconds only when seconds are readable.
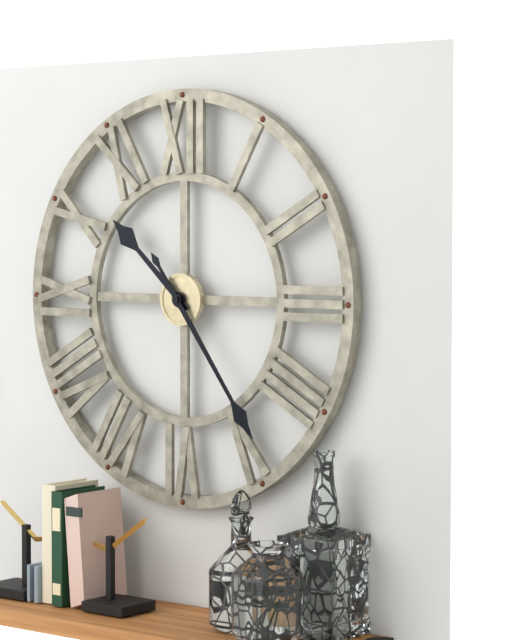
10.24
